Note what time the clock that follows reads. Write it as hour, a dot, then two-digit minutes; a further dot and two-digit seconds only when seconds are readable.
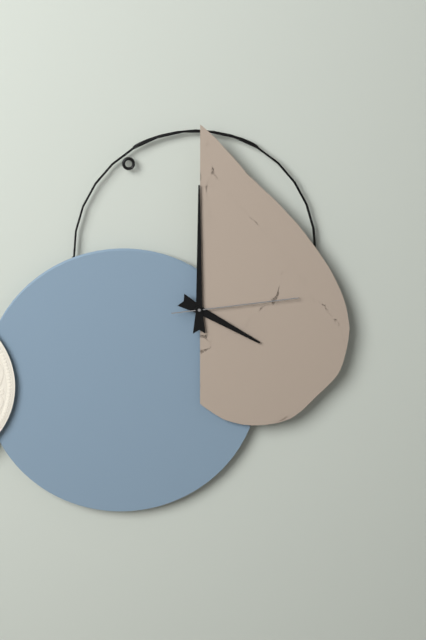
4.00.14
